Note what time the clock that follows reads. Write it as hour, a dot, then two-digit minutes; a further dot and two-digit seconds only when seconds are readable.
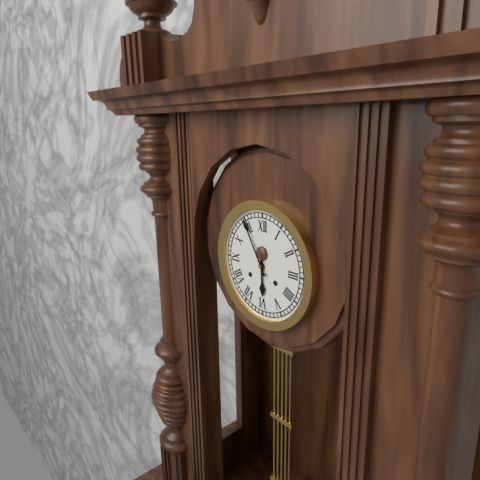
5.55
